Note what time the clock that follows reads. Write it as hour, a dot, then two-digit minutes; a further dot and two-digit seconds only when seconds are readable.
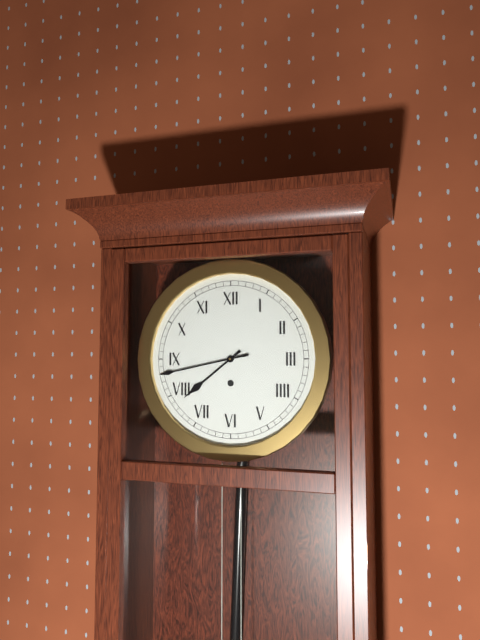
7.43
